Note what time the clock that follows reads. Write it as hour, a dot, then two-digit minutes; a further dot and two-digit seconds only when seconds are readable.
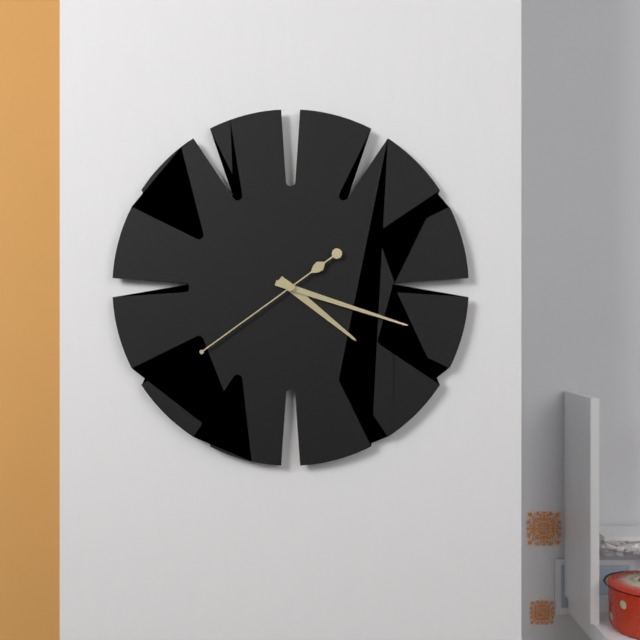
4.18.39
